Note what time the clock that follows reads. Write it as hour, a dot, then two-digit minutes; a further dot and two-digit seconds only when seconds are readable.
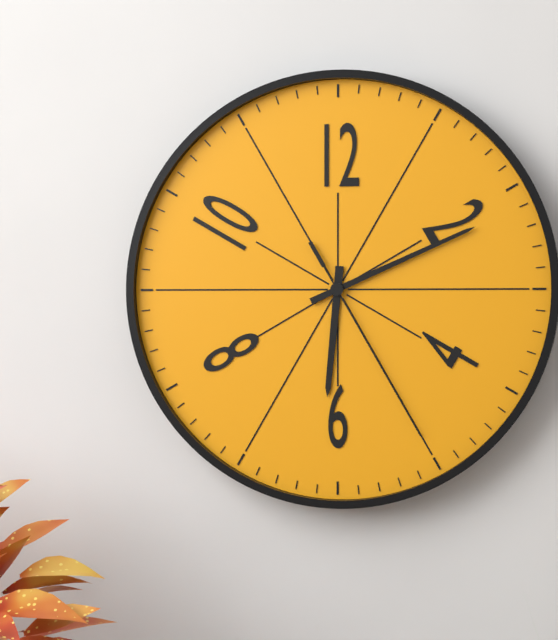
6.11.25
